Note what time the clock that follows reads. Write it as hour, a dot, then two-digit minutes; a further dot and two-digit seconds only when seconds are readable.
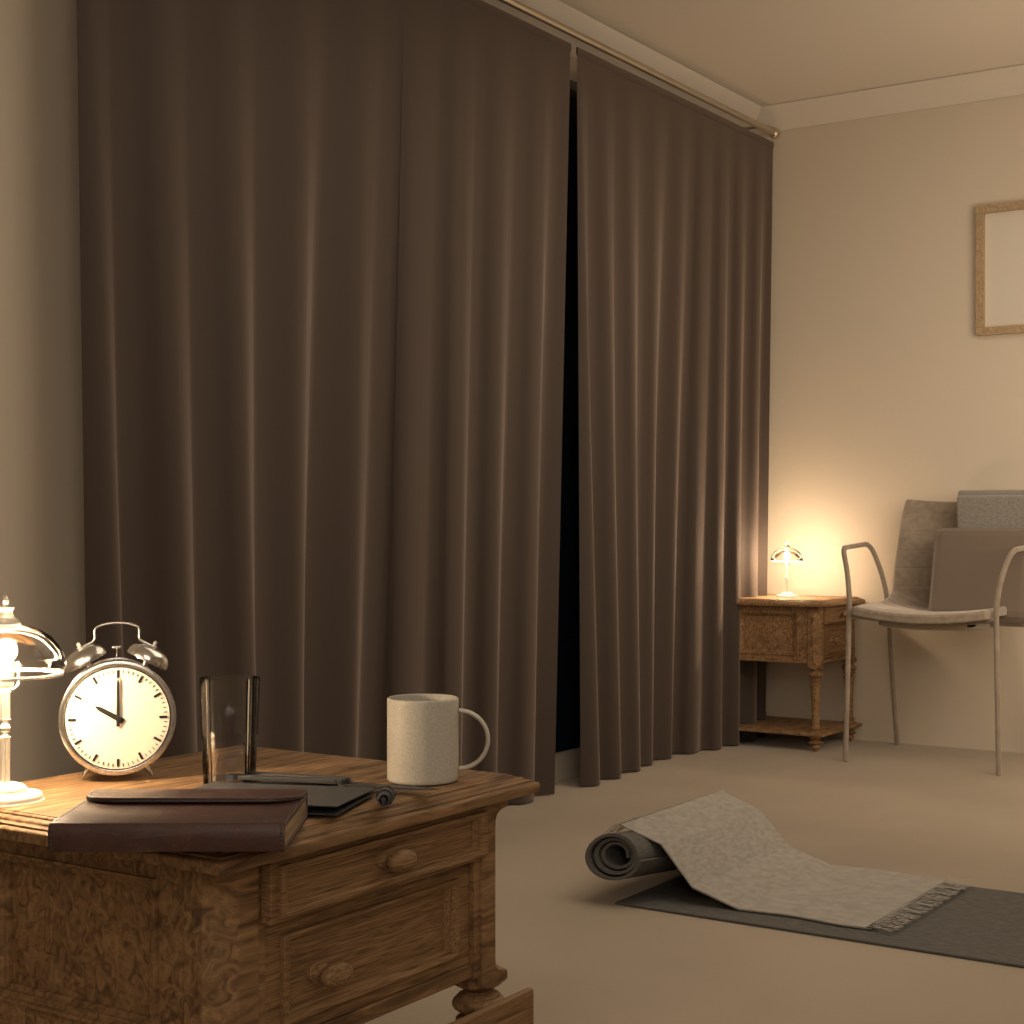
10.00
